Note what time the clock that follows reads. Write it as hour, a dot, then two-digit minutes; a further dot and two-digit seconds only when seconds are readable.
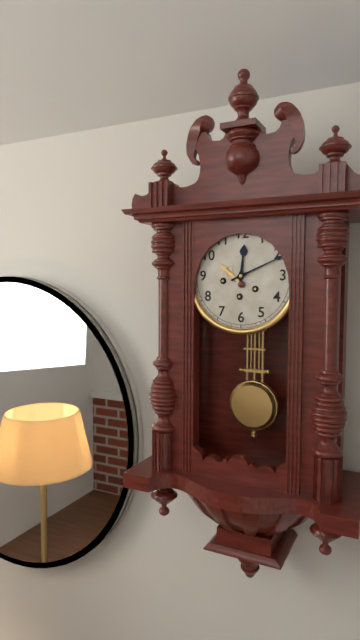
12.11
